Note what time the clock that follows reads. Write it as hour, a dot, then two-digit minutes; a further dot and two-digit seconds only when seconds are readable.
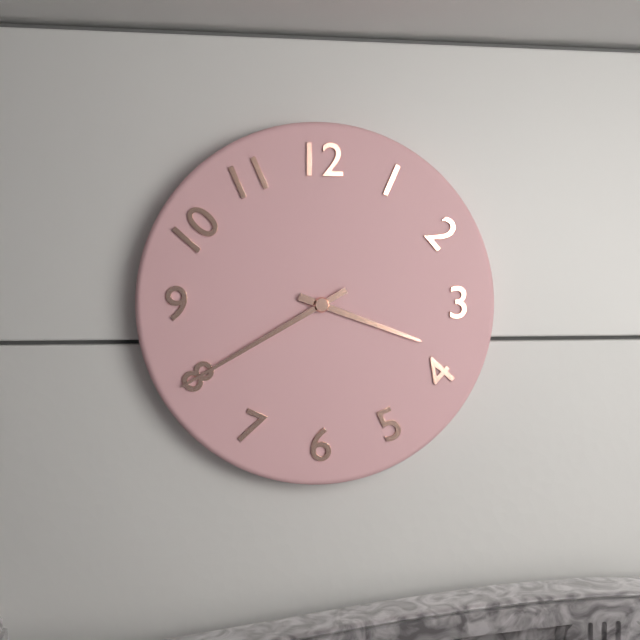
3.40
